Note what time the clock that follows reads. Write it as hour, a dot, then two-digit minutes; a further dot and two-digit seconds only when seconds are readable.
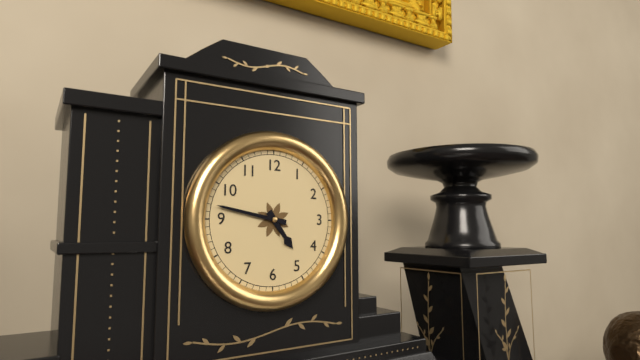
4.47
